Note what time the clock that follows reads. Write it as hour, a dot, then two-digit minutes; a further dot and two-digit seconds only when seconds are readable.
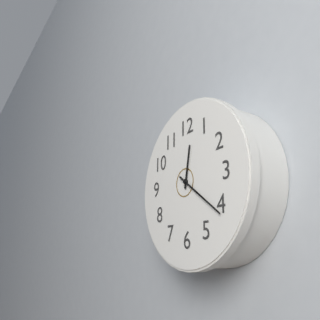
12.21
